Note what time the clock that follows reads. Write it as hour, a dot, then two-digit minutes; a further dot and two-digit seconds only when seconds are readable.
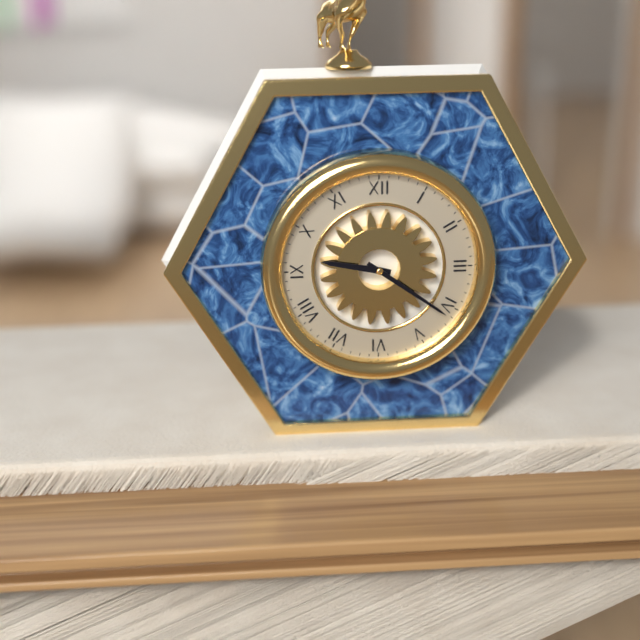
9.21
